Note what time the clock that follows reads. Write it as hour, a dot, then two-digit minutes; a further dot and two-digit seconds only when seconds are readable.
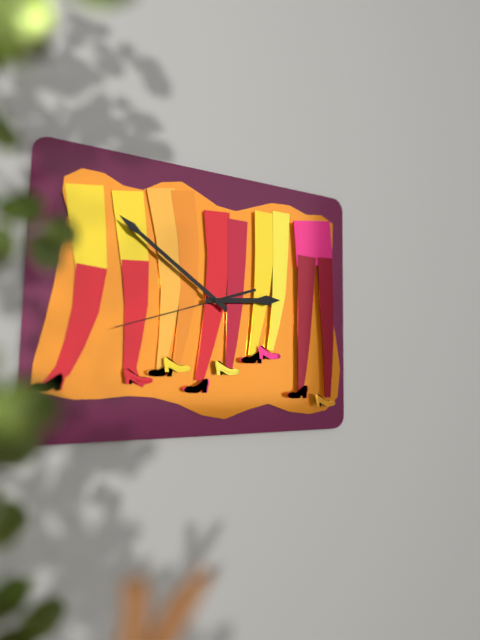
2.51.42
